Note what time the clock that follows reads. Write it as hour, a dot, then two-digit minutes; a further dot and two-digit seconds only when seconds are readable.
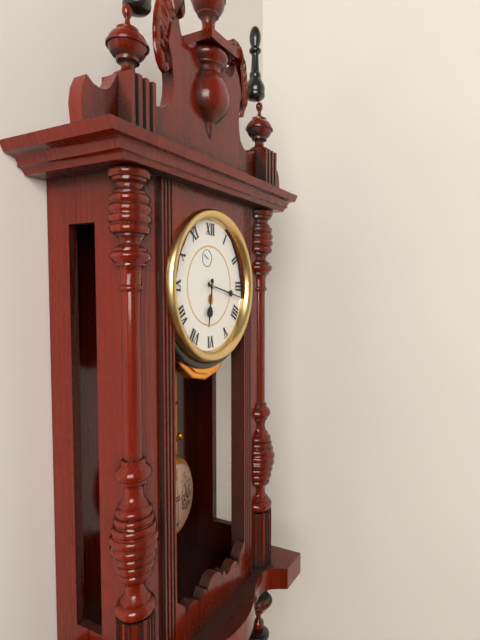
6.17
